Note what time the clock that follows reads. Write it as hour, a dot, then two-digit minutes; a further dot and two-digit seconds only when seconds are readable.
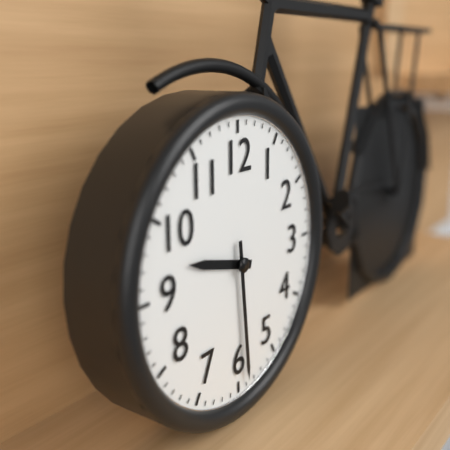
9.29
